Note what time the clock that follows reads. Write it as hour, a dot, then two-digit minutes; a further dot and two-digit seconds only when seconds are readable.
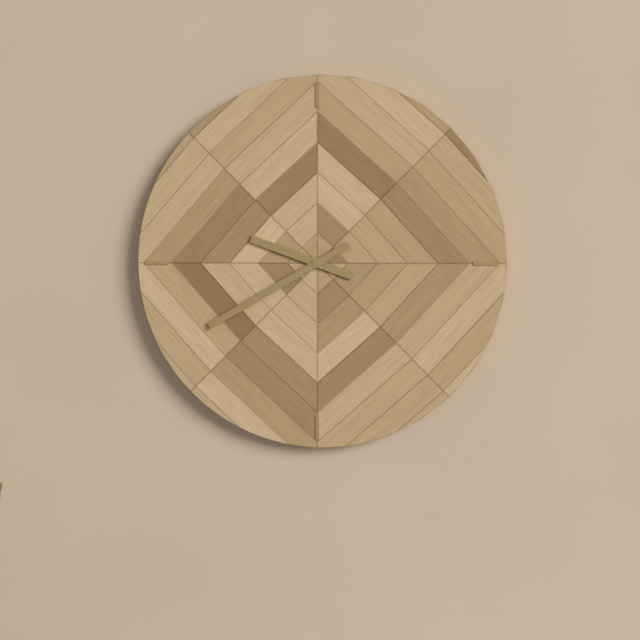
9.40
